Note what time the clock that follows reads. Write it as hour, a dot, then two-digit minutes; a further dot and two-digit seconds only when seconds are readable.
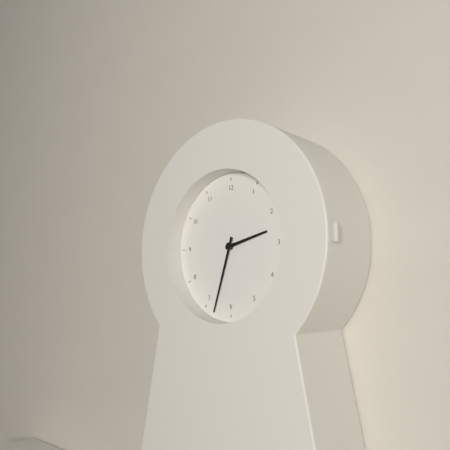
2.33
